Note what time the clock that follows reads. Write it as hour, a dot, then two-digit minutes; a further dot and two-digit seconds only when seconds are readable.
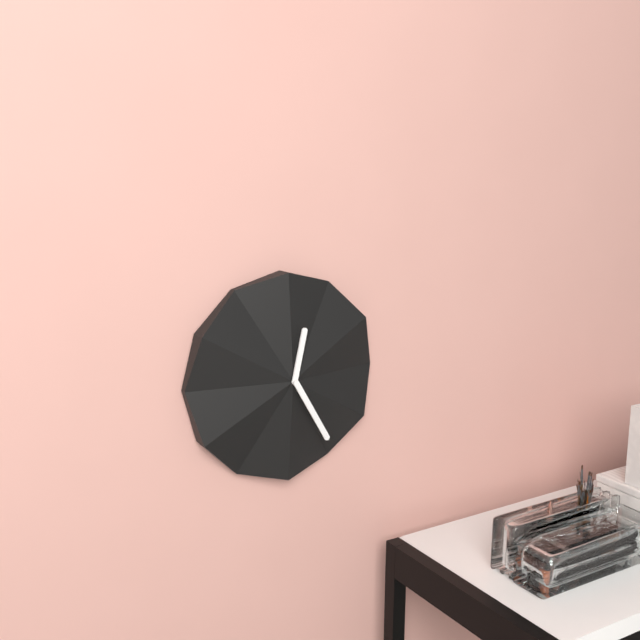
12.25
